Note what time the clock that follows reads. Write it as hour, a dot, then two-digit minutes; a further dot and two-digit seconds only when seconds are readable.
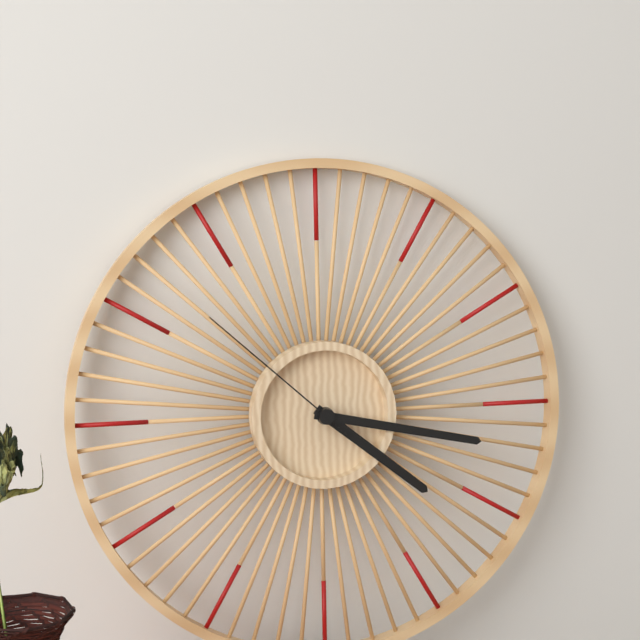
4.17.52
